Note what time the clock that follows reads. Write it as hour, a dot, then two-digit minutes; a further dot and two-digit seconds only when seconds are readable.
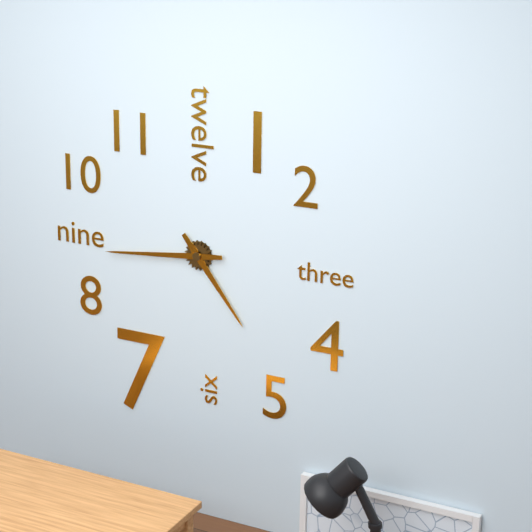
4.44
